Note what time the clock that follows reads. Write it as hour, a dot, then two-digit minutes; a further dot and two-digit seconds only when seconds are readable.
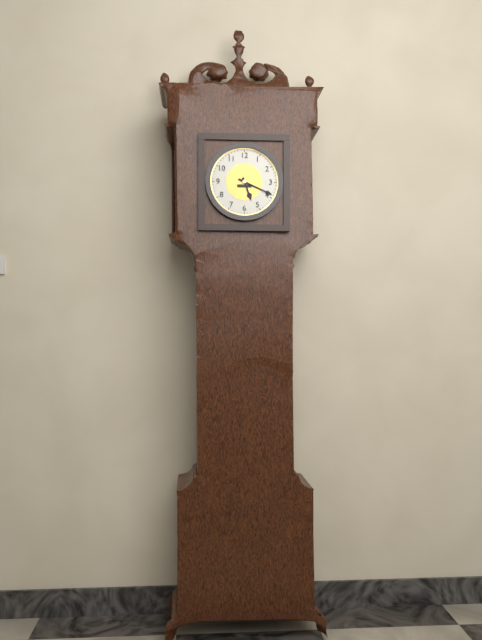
5.19
